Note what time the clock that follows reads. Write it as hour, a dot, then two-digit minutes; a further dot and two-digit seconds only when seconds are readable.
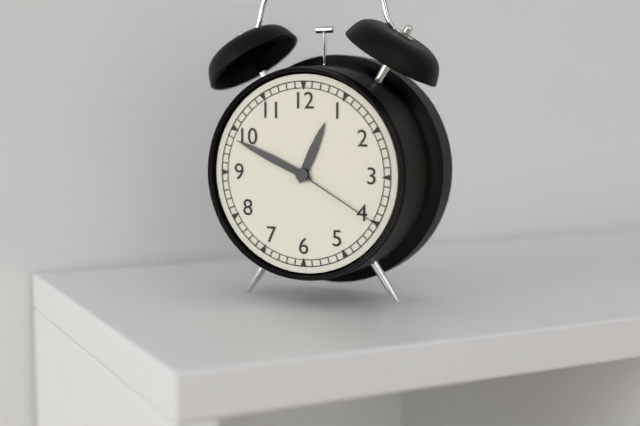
12.49.20
